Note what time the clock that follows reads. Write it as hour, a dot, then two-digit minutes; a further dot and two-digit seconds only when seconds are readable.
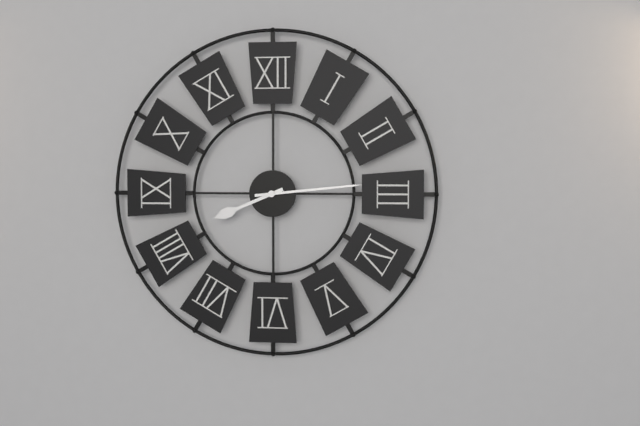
8.14
